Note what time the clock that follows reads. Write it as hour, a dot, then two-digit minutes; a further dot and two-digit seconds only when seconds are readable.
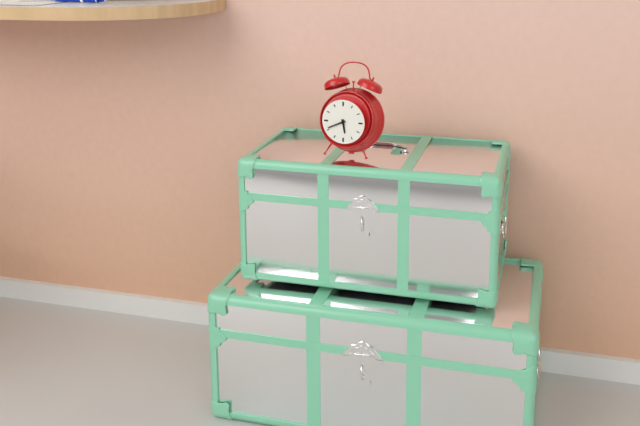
5.41
